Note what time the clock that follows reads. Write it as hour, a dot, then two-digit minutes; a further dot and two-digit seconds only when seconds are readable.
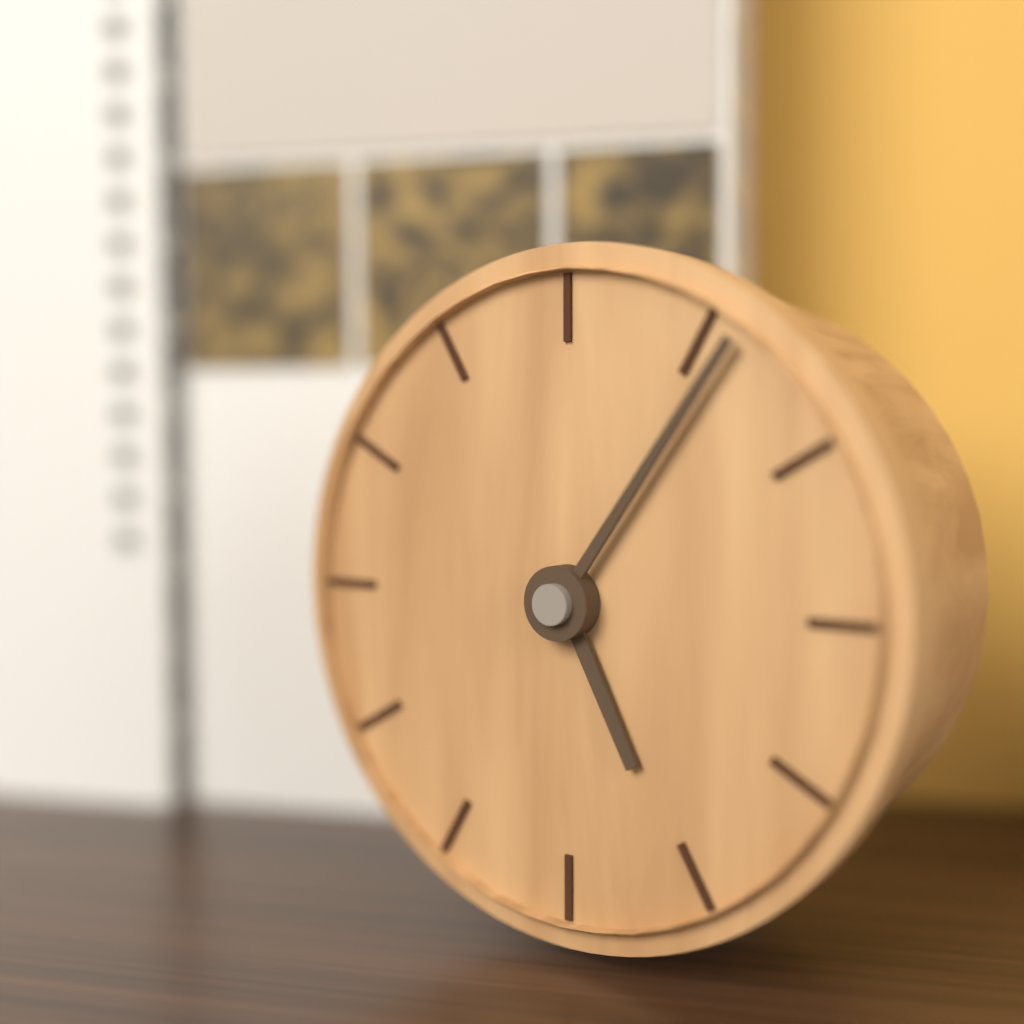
5.06
